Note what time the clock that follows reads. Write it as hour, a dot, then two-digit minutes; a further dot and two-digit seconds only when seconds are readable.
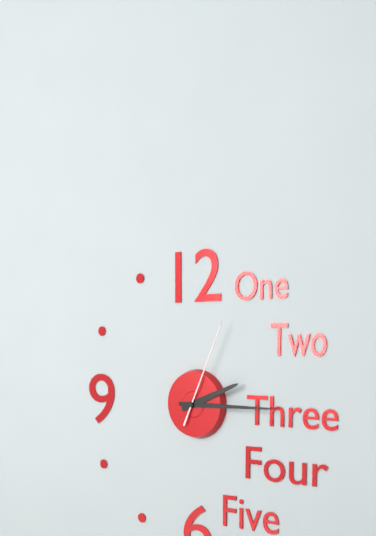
2.15.04
